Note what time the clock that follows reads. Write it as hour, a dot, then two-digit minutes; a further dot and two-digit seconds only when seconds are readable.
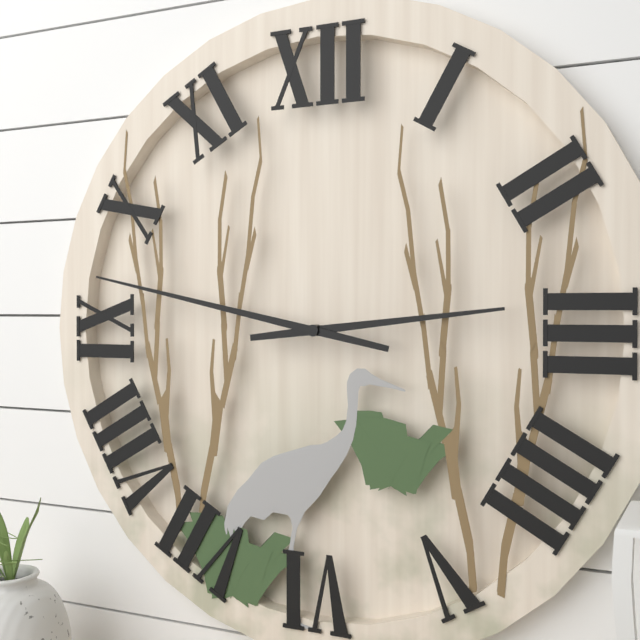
2.47
